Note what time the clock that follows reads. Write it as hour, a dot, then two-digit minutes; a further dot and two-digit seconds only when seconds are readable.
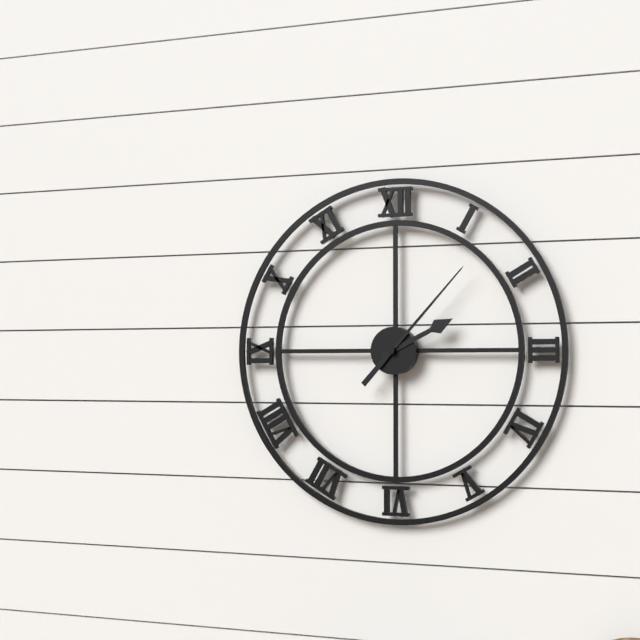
2.07
